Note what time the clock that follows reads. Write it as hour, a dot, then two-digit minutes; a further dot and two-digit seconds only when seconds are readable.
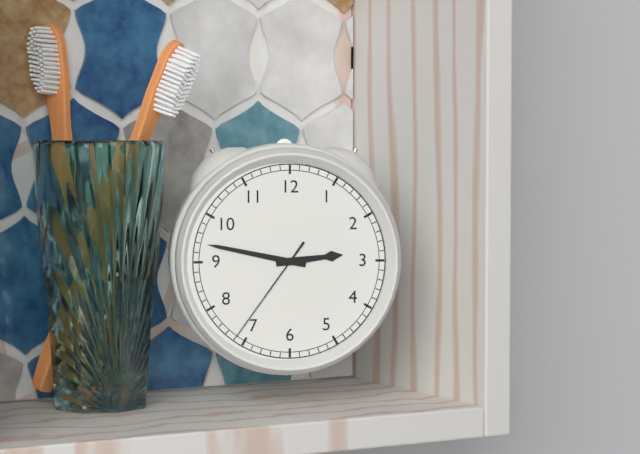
2.47.36
